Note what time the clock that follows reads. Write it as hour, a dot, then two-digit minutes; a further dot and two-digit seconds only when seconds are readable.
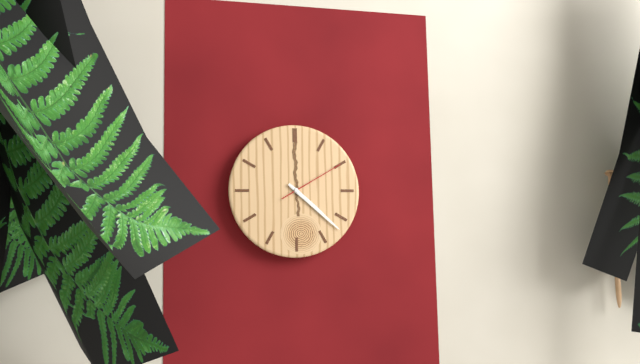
4.22.10
